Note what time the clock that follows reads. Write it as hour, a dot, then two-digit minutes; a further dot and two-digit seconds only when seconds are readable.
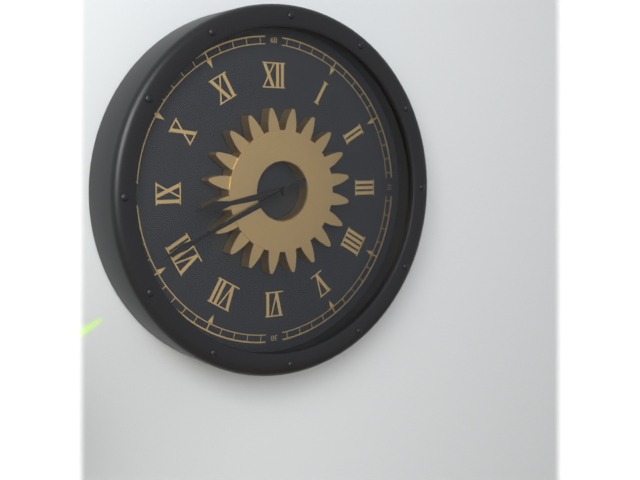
8.41
